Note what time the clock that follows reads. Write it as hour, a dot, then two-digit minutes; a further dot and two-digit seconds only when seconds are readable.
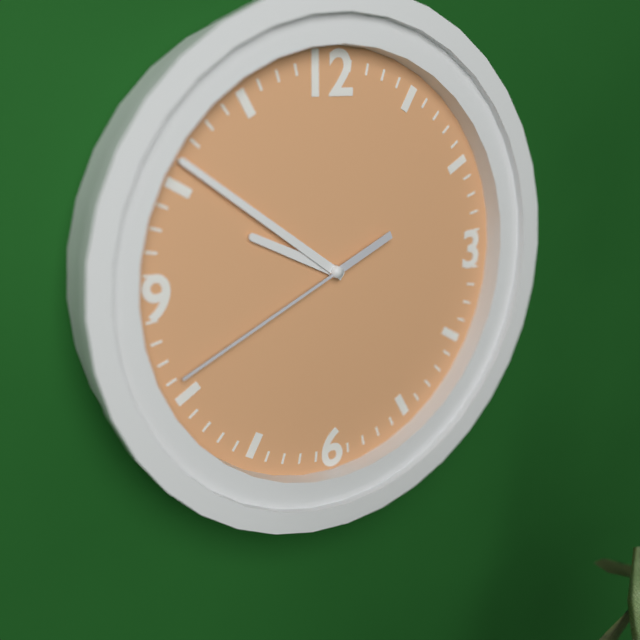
9.51.41
